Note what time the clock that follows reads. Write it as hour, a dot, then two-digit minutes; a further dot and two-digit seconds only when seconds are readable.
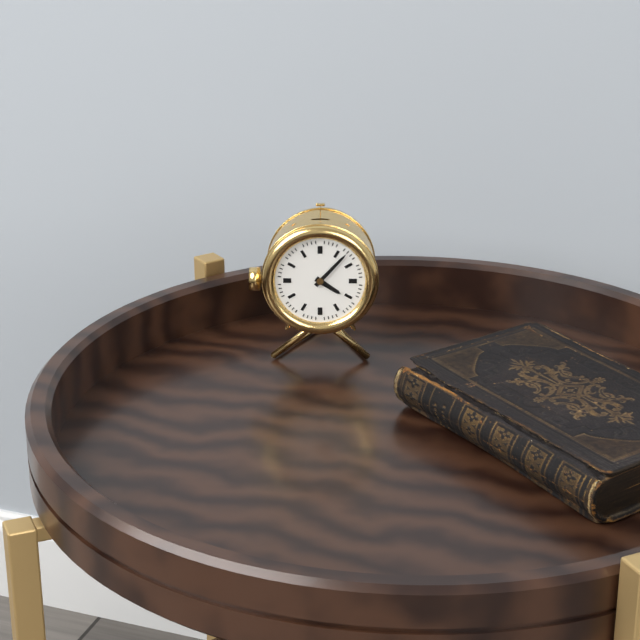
4.07
